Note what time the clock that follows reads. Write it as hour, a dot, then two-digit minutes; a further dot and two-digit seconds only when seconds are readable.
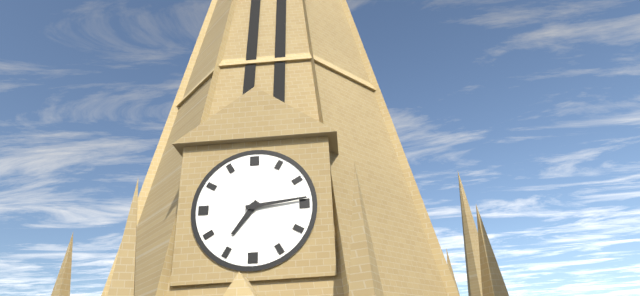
7.14
